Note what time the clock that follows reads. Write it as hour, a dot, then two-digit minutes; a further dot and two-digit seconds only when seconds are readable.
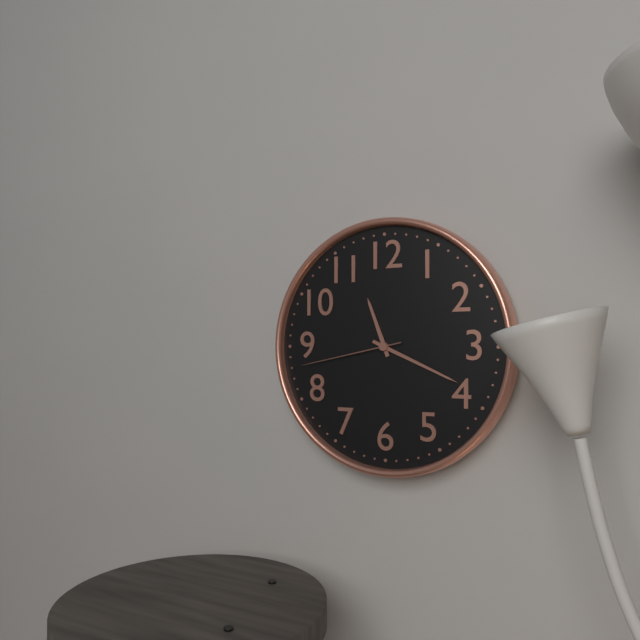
11.19.43
